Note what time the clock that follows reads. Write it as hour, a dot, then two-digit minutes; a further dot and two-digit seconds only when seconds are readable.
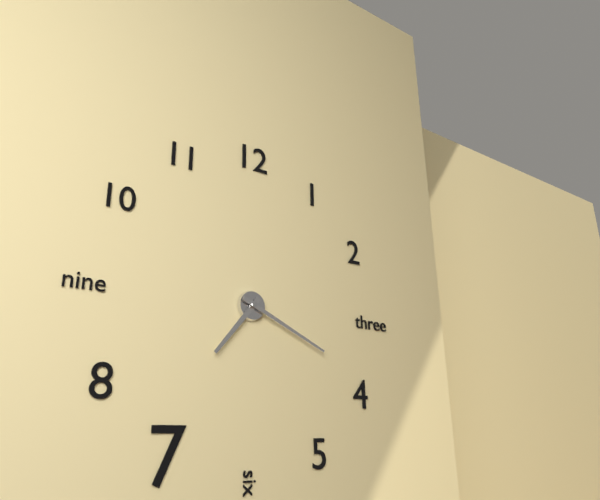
7.19
